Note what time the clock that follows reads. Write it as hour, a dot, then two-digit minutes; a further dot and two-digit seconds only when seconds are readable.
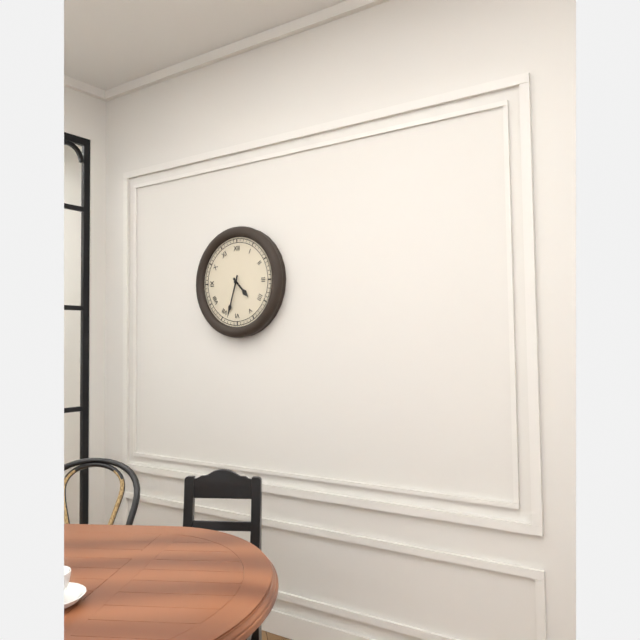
4.33
